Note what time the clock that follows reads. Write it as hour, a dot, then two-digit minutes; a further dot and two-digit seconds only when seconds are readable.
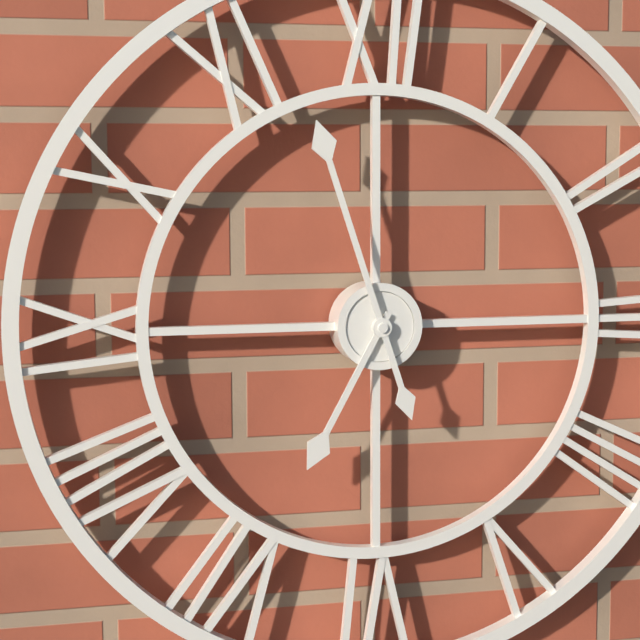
6.57
